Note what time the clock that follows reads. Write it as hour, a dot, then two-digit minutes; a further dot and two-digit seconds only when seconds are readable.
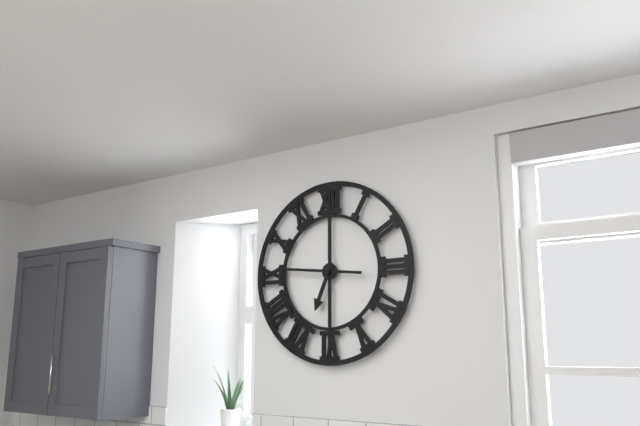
6.46
